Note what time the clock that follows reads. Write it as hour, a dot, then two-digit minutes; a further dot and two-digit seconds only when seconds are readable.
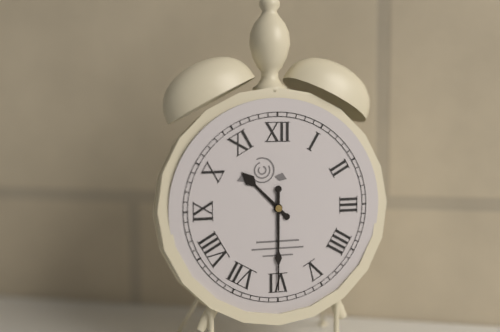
10.30
